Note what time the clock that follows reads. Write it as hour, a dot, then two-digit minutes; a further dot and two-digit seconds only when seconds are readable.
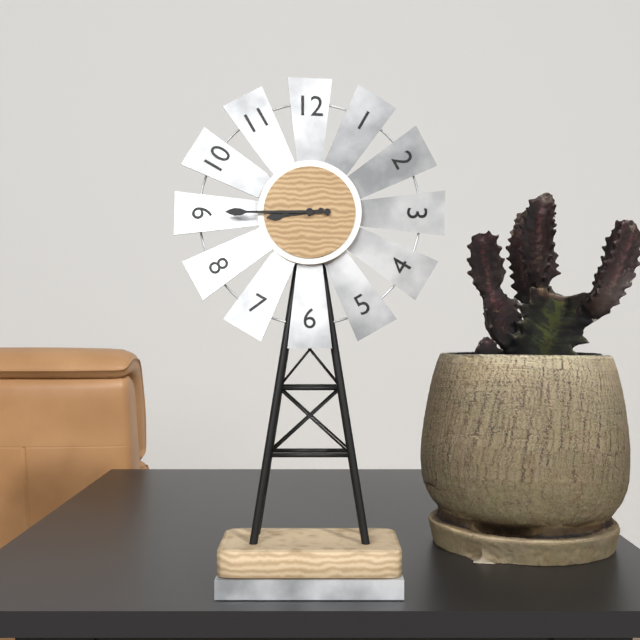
8.45
